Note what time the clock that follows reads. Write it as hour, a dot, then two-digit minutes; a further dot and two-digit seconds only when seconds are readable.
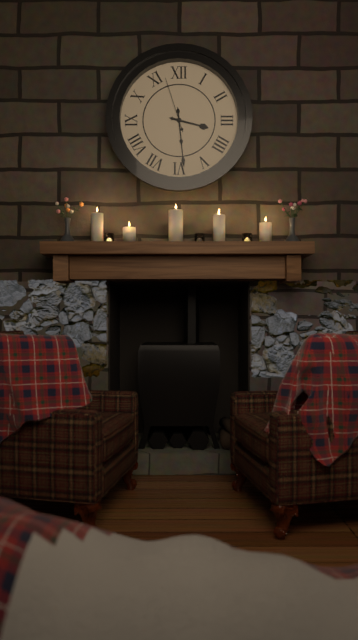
3.29.57
